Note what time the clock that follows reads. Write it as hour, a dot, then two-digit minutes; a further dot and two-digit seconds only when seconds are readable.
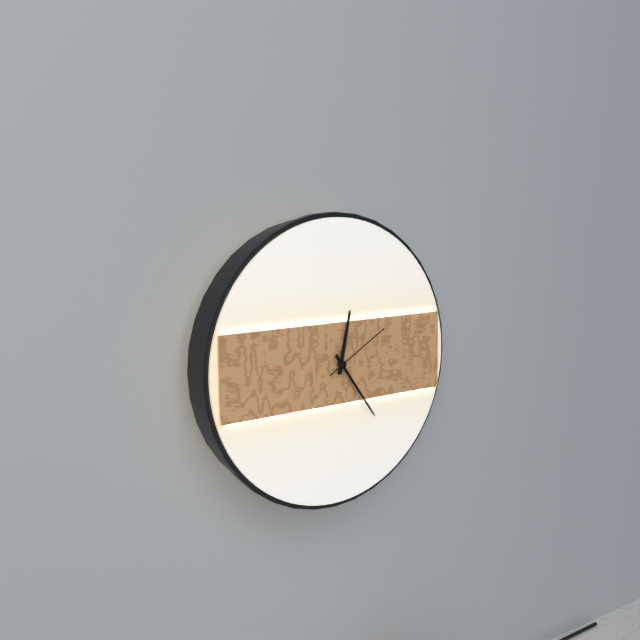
12.24.10
